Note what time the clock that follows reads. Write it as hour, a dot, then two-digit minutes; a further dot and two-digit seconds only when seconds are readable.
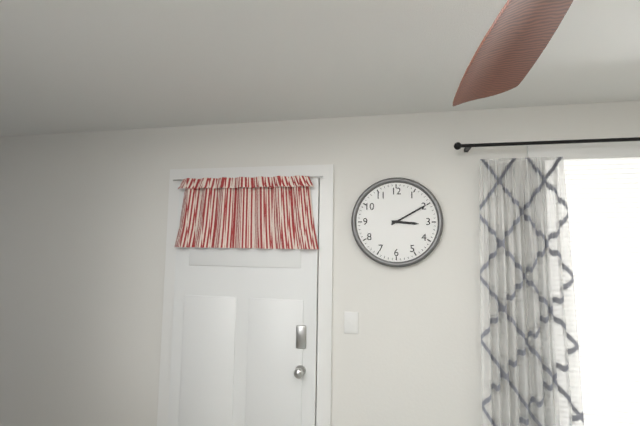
3.10
